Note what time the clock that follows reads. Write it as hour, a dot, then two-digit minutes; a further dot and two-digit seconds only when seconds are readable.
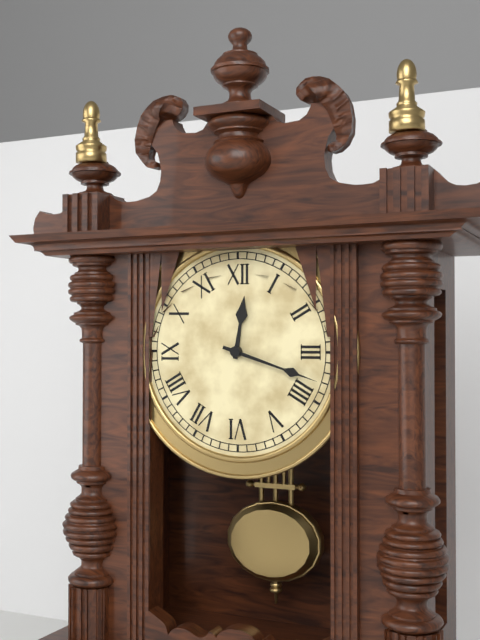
12.18
